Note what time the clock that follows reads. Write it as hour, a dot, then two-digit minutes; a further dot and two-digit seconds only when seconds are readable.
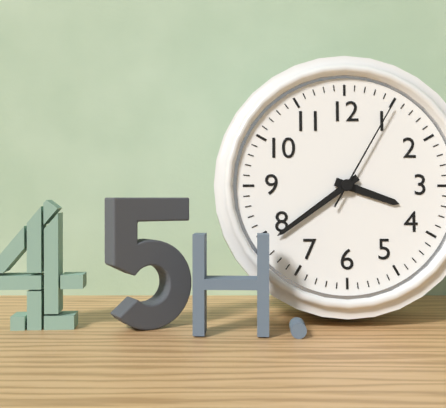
3.39.05
